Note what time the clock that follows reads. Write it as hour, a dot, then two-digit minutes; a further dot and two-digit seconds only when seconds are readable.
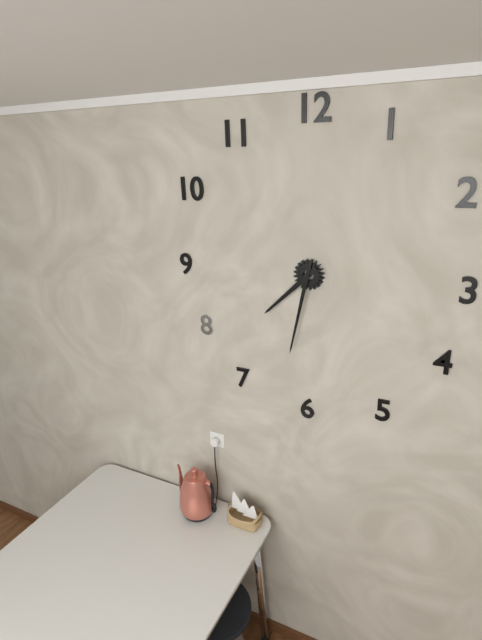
7.32
